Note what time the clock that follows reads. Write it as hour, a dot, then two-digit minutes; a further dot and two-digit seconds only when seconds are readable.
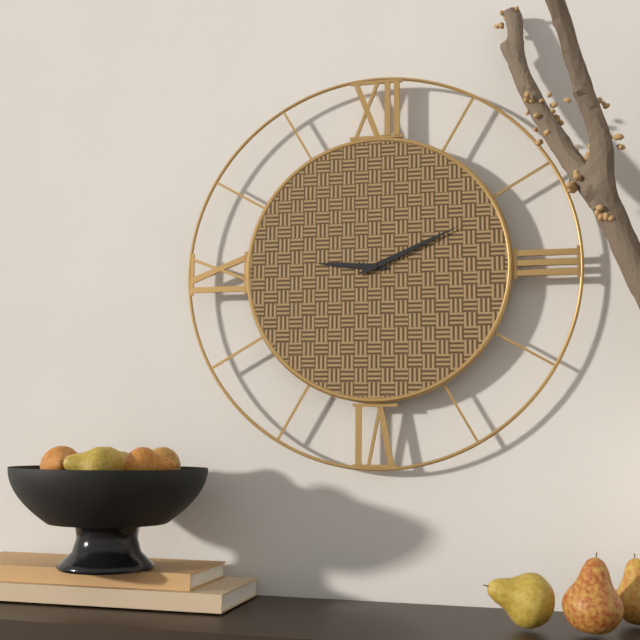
9.11
